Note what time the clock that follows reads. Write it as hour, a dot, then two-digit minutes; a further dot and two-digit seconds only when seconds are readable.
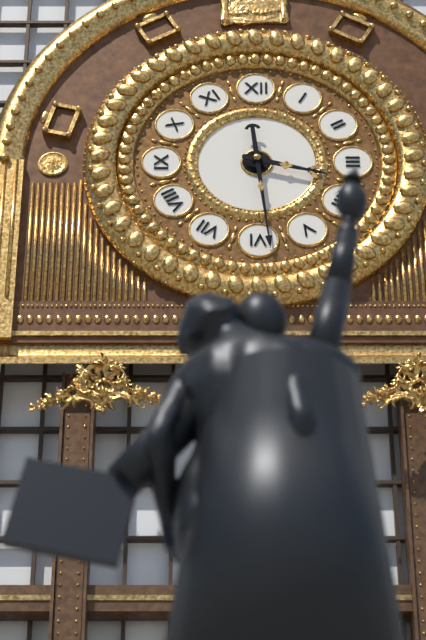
3.29
